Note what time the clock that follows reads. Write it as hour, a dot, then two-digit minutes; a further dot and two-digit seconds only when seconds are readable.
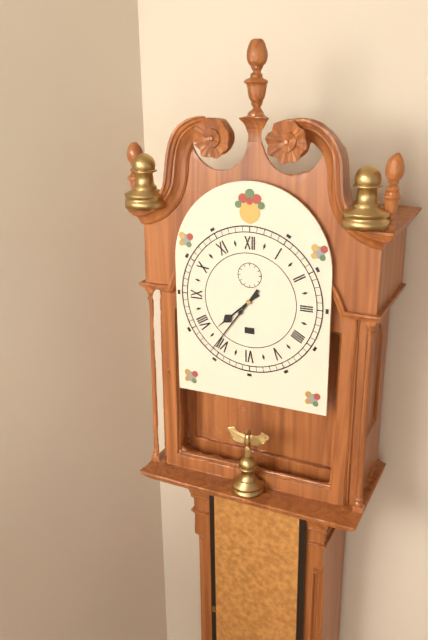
7.36
